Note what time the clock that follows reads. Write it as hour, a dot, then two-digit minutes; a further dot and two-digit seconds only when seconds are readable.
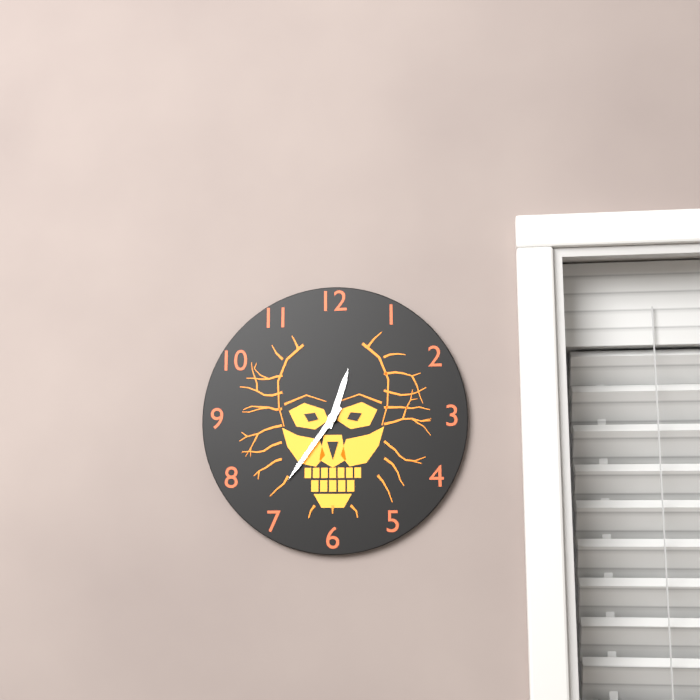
12.36
